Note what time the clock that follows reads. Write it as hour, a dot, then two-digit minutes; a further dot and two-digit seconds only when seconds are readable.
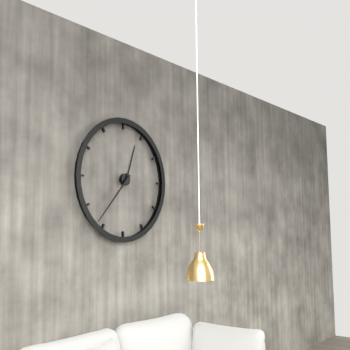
12.37
